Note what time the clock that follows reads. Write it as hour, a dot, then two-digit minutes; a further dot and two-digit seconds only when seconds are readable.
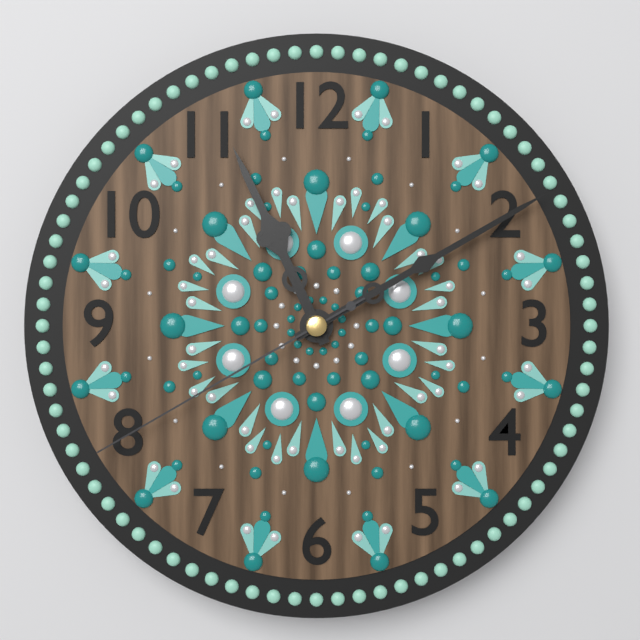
11.10.40
